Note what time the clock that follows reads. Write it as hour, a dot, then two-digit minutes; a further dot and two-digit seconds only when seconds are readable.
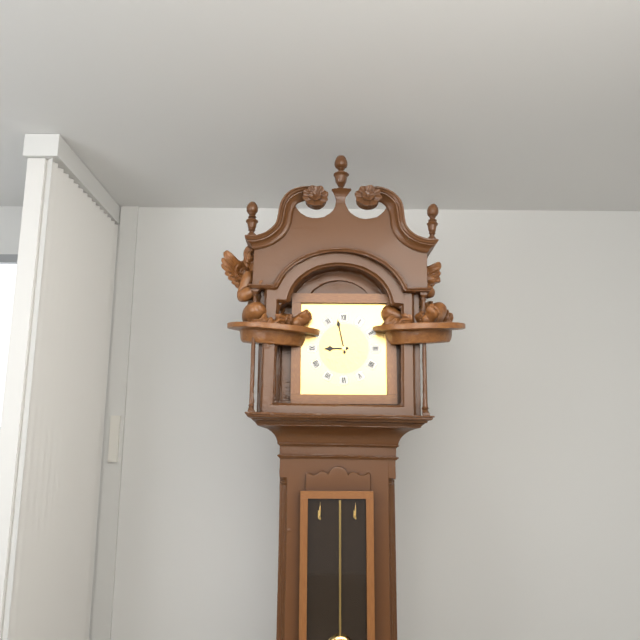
8.58
